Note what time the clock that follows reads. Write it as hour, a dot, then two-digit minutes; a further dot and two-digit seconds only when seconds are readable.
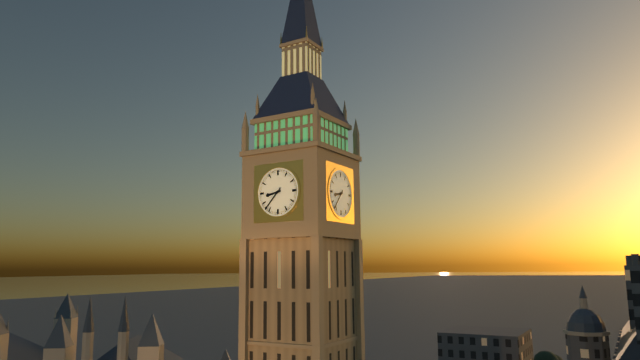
8.37
